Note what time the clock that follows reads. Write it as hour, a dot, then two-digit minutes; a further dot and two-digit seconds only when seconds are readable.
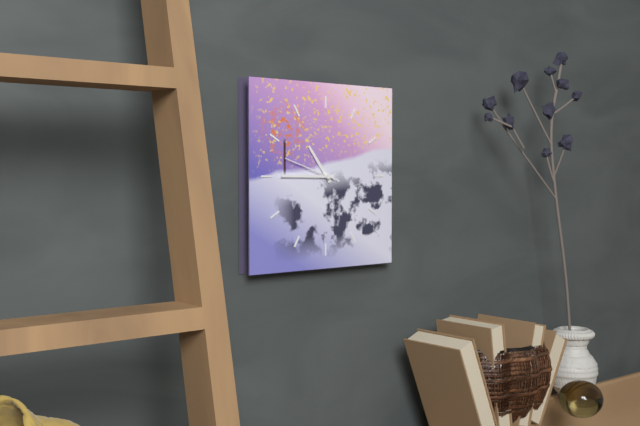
10.45.48
